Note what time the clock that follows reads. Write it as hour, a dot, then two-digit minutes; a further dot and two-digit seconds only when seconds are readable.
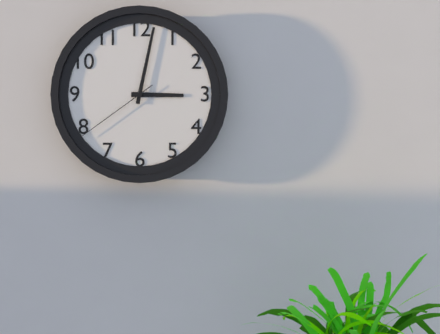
3.02.39
